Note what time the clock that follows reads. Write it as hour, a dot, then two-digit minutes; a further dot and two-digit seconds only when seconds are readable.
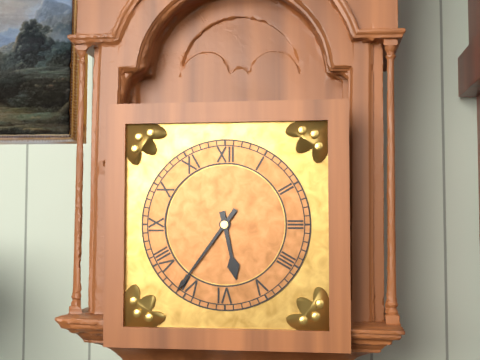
5.36
